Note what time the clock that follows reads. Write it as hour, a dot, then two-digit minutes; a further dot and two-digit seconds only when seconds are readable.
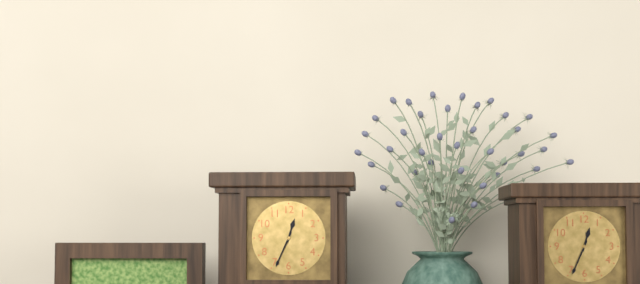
12.34
